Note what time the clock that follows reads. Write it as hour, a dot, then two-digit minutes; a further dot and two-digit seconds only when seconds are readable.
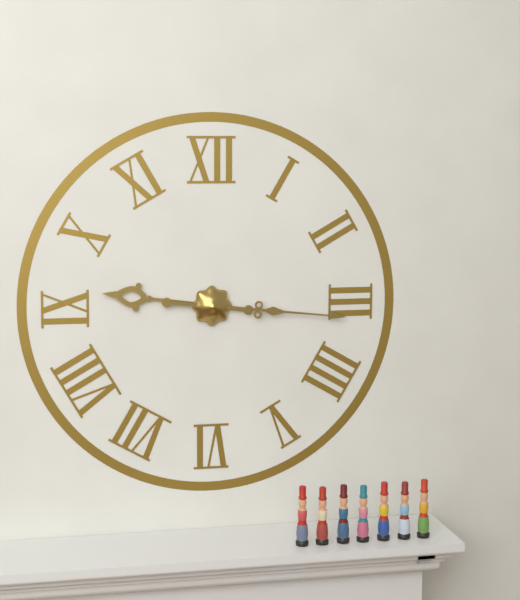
9.16
